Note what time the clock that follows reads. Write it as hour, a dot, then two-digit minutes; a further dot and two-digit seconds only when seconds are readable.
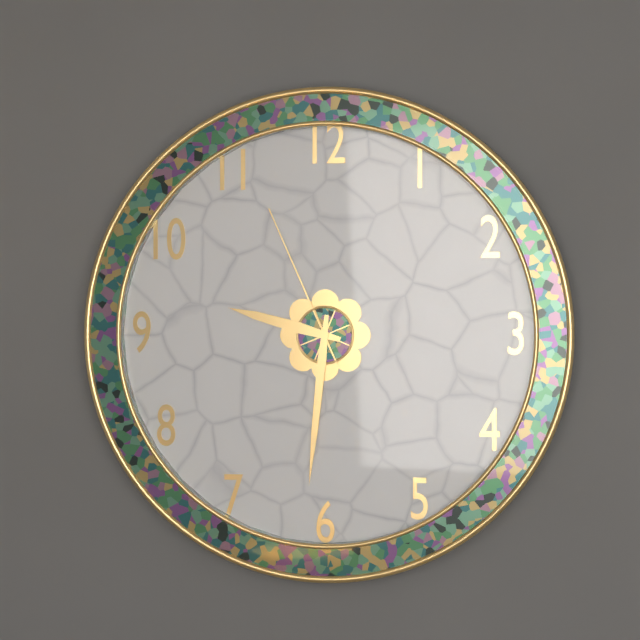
9.31.56
